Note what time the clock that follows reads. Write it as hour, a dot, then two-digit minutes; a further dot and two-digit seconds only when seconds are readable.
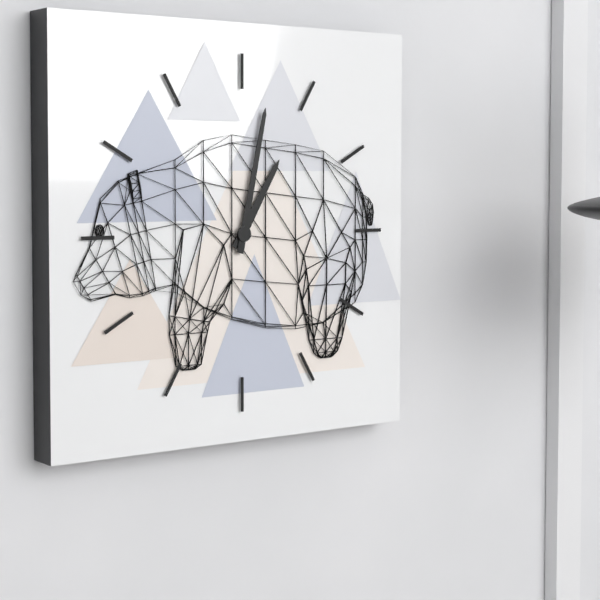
1.02
